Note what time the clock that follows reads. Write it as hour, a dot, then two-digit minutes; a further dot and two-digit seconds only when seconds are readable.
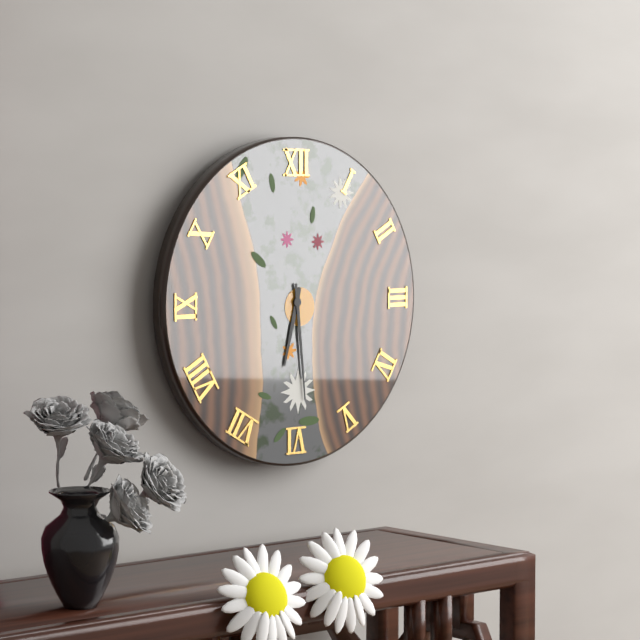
6.29
